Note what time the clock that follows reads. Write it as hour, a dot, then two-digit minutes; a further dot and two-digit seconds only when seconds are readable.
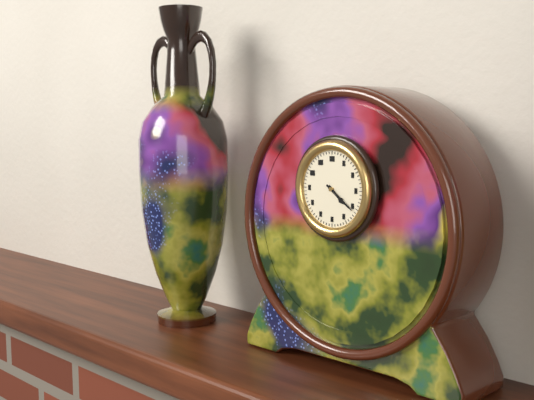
4.21
